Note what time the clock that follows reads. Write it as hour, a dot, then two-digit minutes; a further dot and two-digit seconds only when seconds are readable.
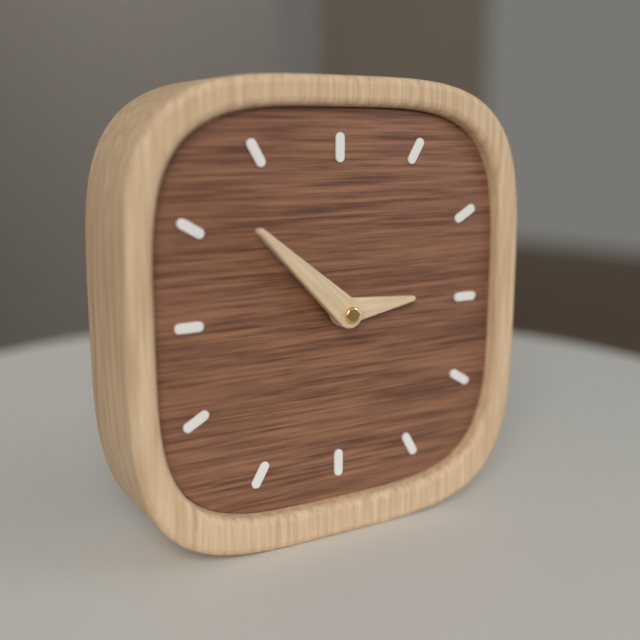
2.52
